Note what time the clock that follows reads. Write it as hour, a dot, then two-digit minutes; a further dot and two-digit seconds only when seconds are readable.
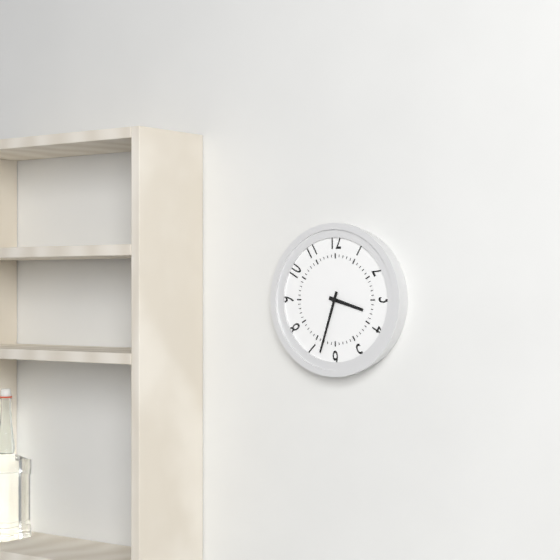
3.33
